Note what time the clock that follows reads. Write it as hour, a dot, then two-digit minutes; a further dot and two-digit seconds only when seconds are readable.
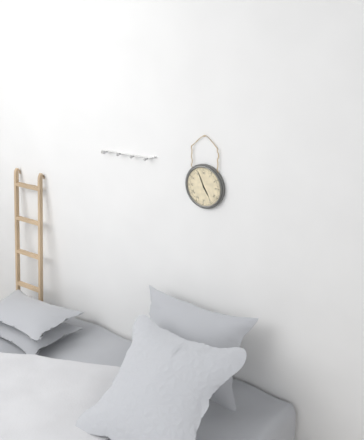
4.56
